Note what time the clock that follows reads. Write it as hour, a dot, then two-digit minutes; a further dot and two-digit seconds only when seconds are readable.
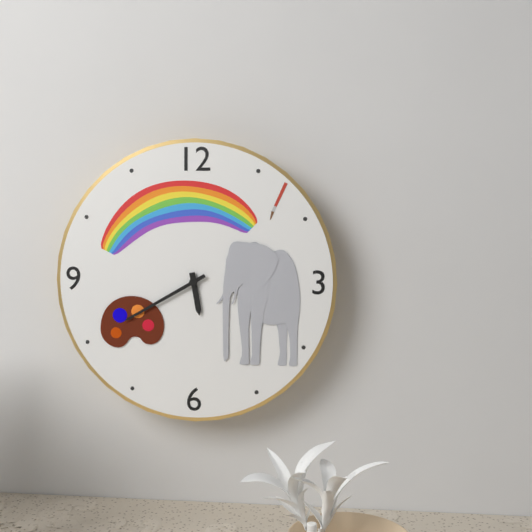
5.40
